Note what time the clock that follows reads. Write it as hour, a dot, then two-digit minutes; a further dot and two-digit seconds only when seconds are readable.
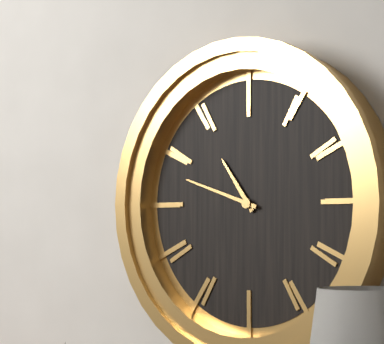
10.48
